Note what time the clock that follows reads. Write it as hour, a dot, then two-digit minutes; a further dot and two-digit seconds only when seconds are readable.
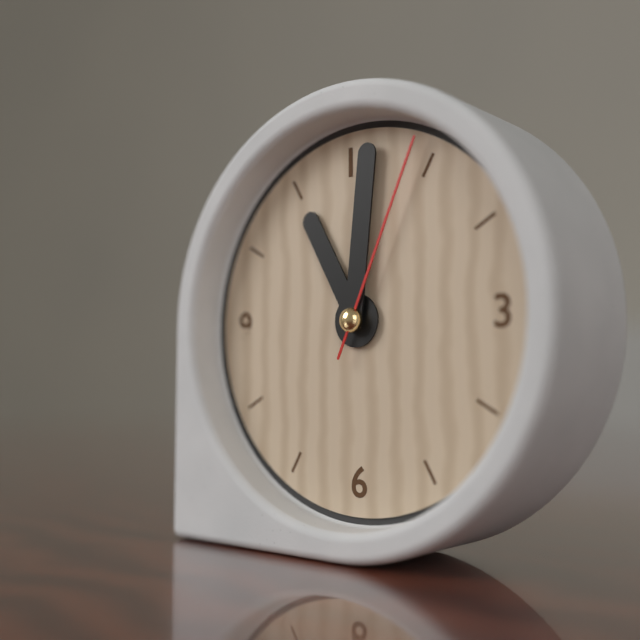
11.01.04
